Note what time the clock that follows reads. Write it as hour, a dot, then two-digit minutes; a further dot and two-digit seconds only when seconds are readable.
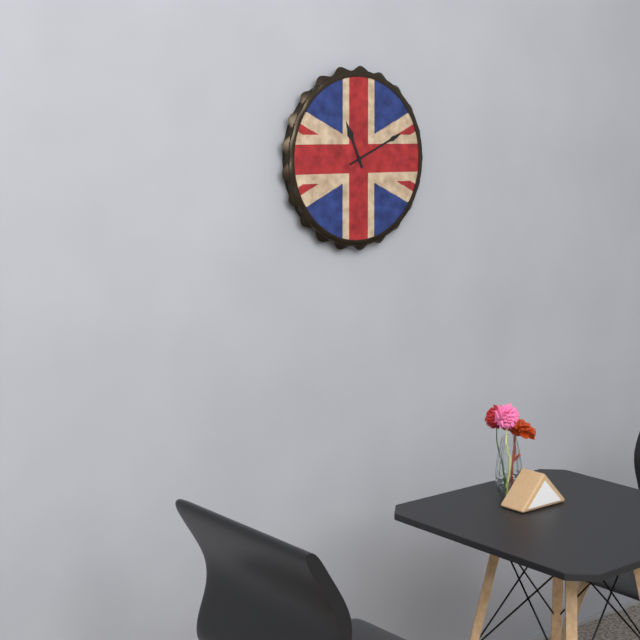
11.11
